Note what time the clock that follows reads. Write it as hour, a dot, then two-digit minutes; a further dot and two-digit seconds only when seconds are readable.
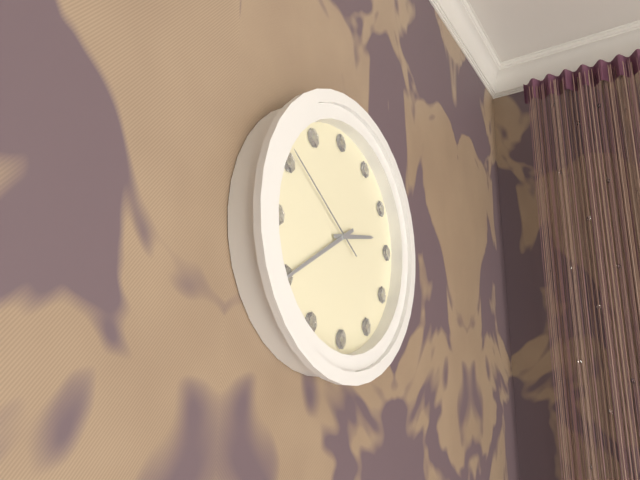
2.40.51
